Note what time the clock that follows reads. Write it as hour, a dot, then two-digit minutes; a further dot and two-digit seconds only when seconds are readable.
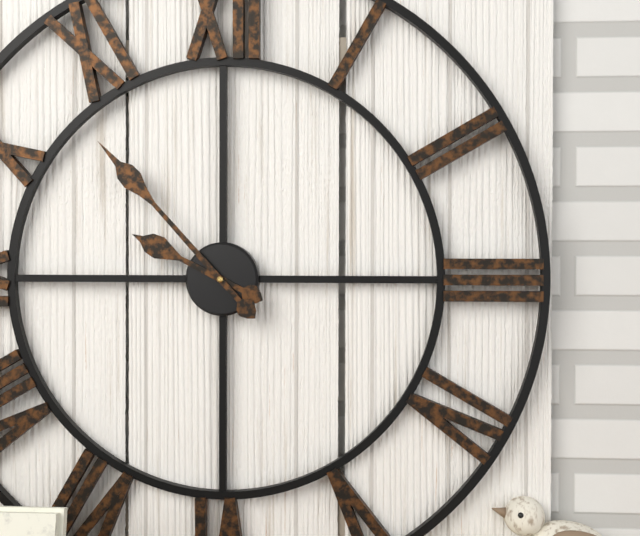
9.53
